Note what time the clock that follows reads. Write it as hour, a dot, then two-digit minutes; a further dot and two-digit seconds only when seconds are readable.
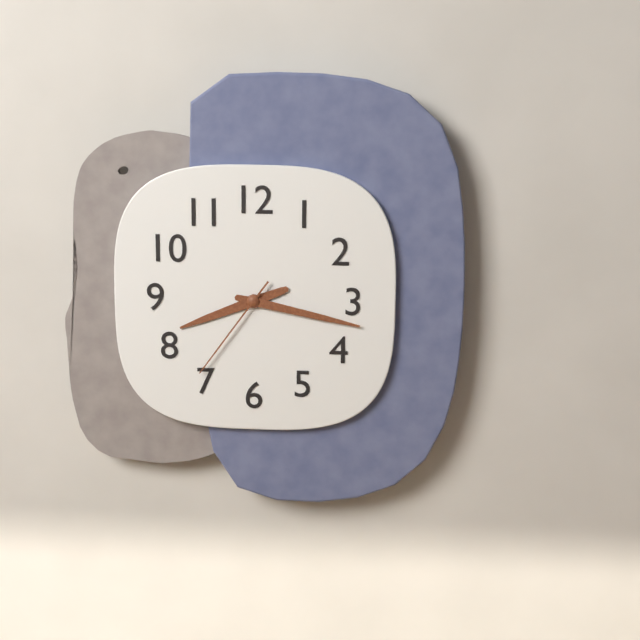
8.17.36
